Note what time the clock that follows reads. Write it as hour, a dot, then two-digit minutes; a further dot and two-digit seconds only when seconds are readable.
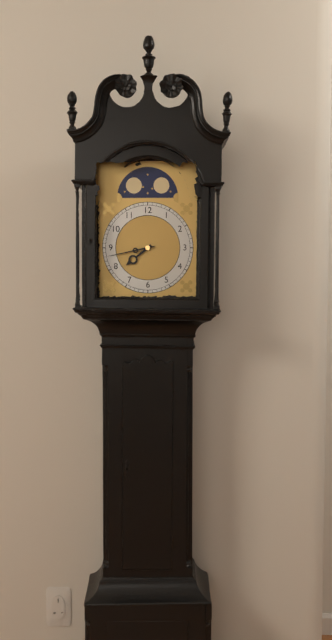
7.43
